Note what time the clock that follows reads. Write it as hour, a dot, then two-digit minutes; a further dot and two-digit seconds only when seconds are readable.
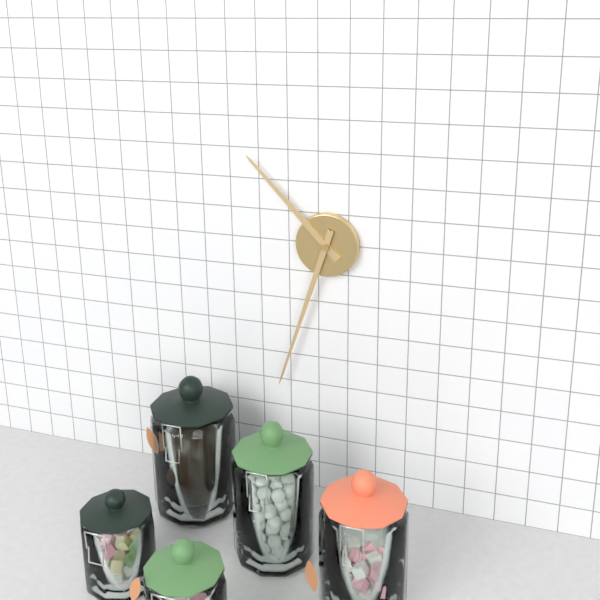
10.33
